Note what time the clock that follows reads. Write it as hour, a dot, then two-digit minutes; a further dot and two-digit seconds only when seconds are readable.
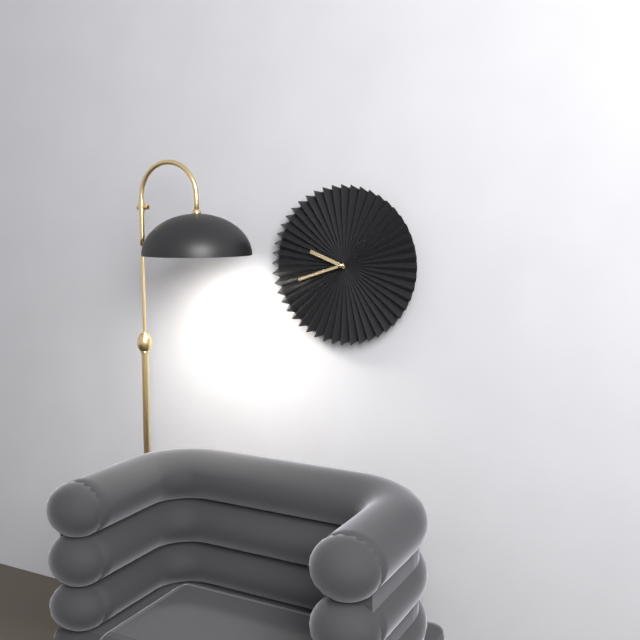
9.42
